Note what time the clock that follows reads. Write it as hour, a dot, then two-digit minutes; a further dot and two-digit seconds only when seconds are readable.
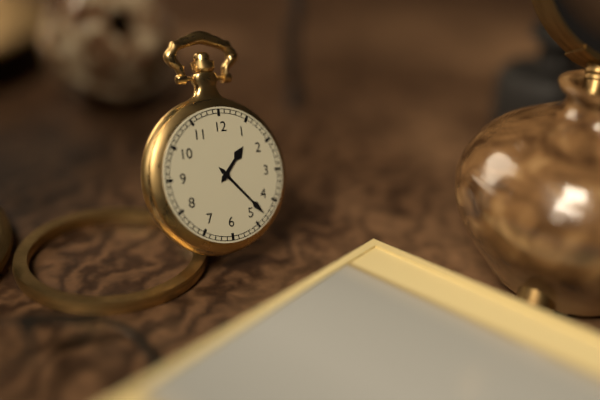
1.23
